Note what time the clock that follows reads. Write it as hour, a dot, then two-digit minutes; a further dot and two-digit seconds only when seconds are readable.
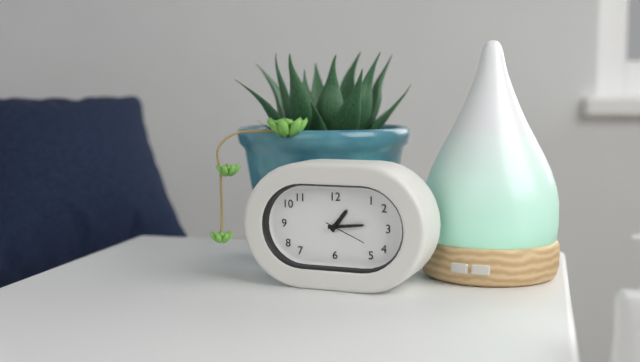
1.14
